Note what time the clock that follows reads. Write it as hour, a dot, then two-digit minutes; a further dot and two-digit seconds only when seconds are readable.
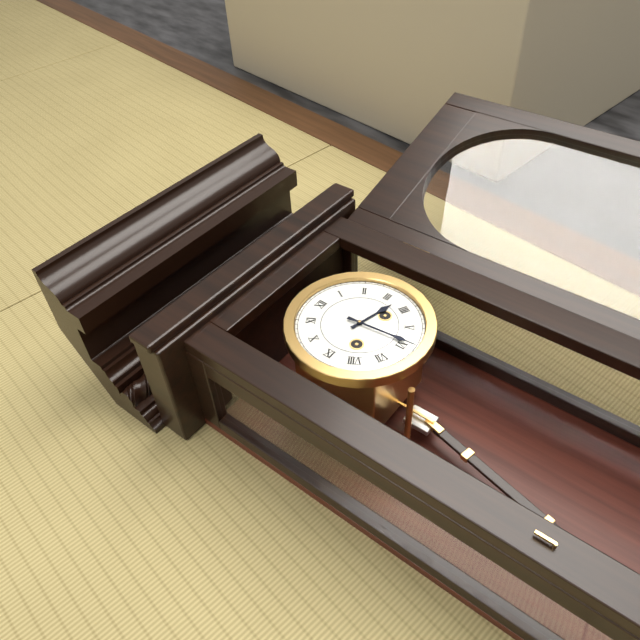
3.29
